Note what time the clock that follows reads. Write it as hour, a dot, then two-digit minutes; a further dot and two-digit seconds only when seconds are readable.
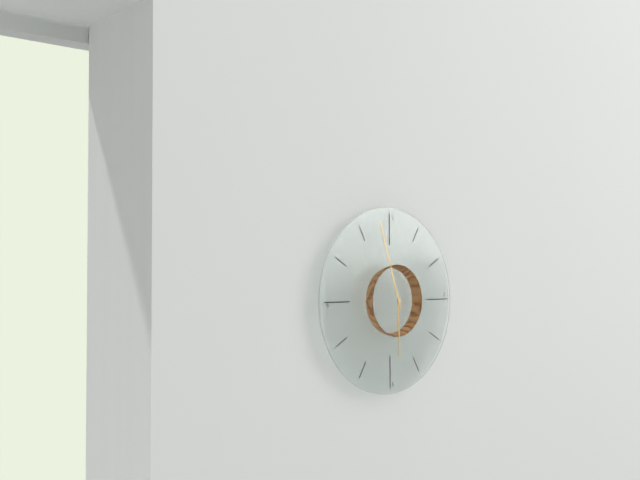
5.57
